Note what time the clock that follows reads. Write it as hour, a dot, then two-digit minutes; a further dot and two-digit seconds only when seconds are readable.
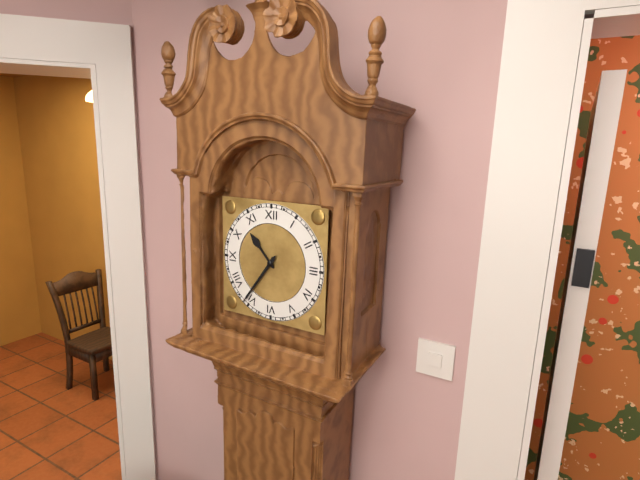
10.36
